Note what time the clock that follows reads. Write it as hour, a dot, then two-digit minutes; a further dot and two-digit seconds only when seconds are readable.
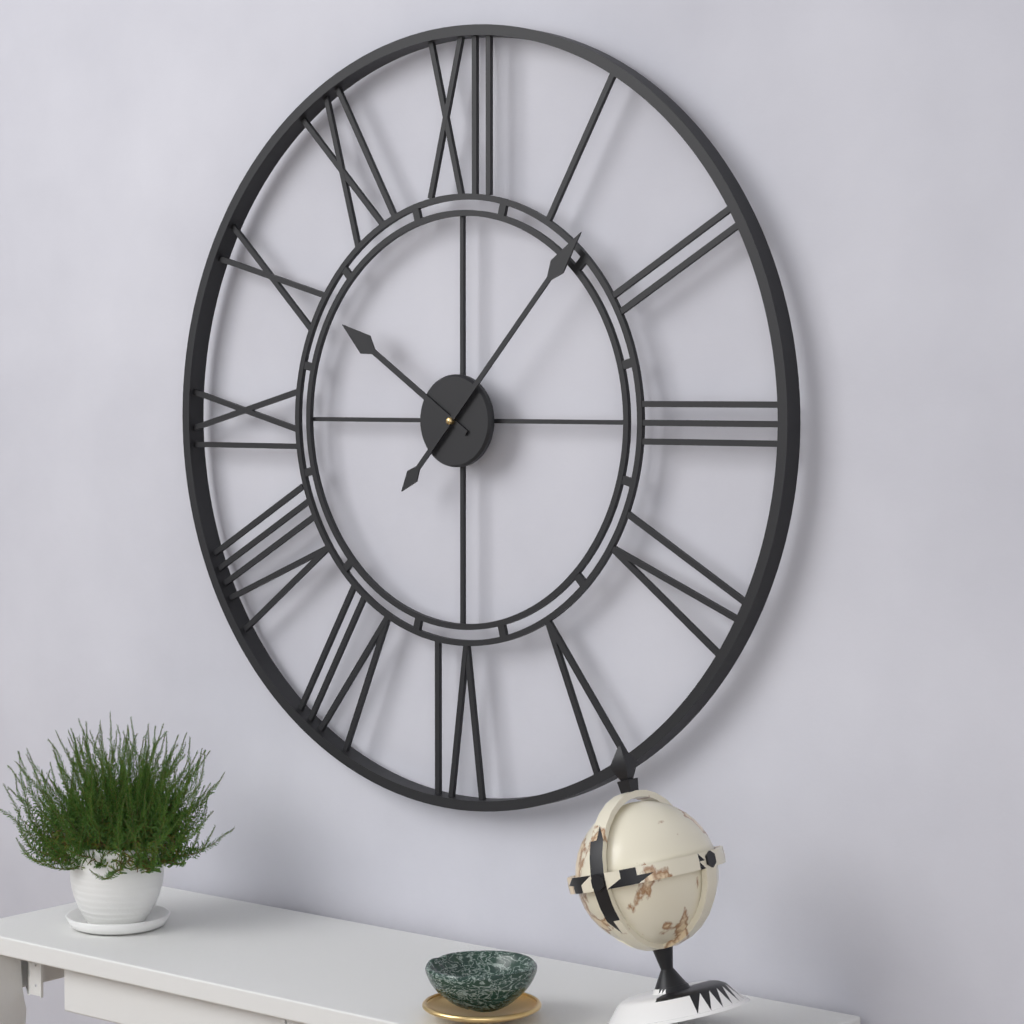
10.07
